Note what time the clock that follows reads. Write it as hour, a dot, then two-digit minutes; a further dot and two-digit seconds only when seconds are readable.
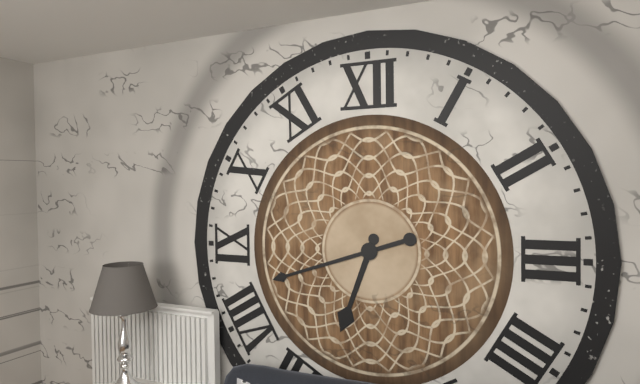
6.42
